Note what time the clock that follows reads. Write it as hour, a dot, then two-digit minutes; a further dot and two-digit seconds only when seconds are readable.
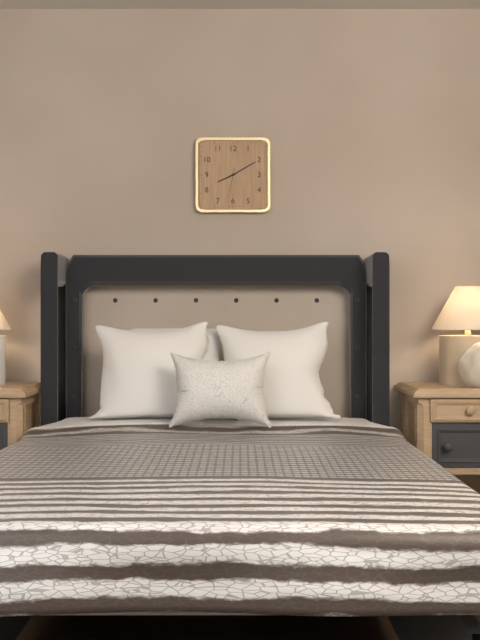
8.10
